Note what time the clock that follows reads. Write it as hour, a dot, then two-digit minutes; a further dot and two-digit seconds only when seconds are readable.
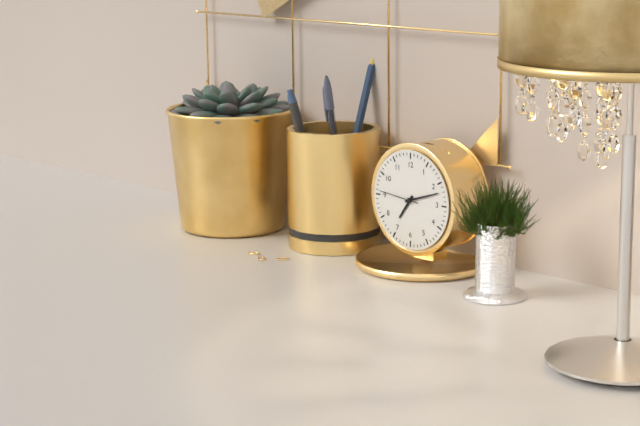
7.12
